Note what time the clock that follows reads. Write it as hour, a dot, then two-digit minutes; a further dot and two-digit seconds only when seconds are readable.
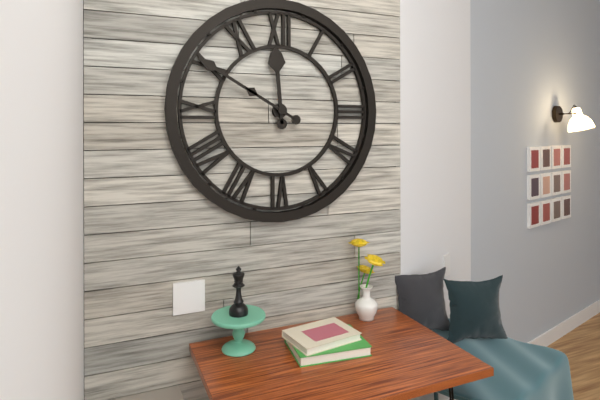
11.50
